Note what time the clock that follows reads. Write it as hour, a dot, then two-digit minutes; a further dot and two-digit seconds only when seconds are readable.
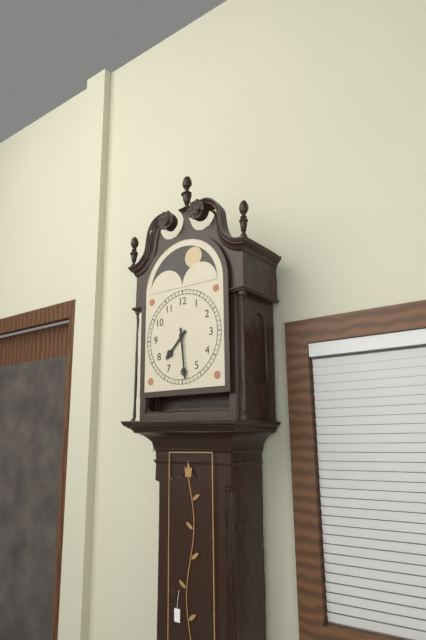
7.29
